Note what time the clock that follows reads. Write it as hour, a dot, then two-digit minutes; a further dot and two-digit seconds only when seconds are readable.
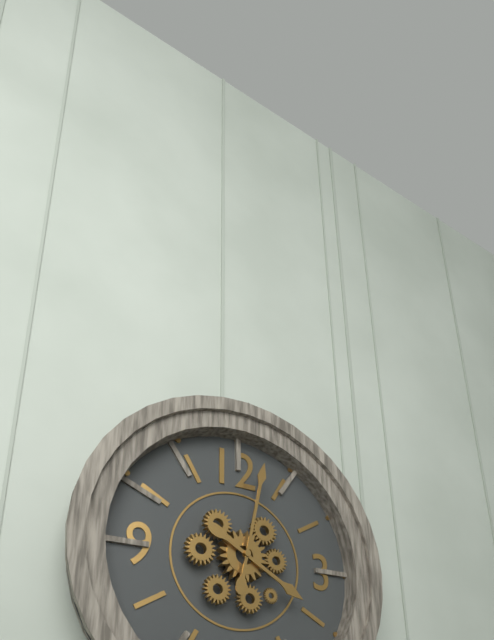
4.02
